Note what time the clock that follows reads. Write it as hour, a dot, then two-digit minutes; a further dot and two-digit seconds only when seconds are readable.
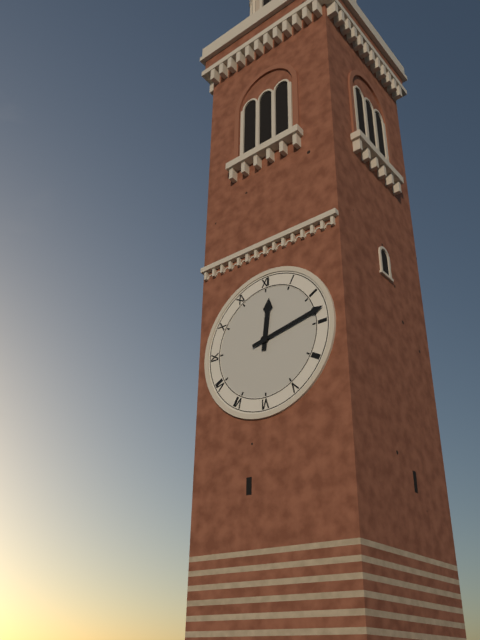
12.13
